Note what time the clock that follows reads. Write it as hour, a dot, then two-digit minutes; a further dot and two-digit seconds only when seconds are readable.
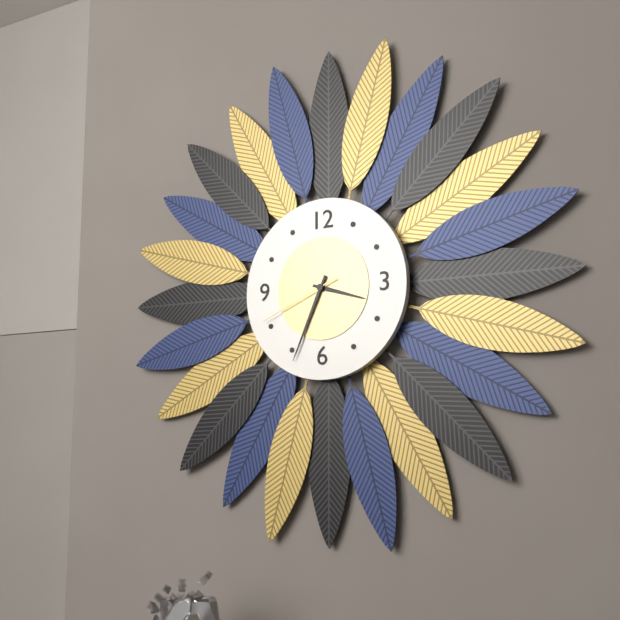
3.34.41
